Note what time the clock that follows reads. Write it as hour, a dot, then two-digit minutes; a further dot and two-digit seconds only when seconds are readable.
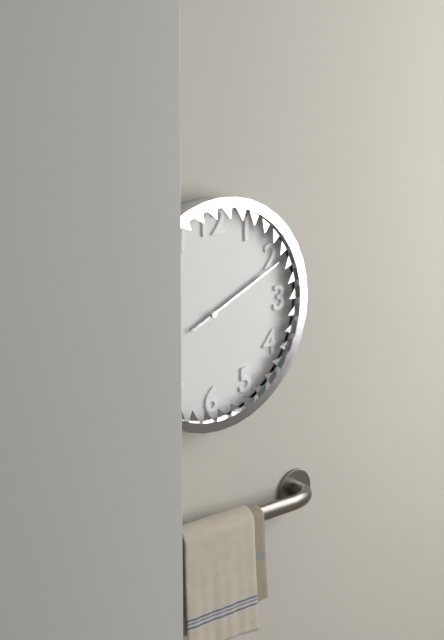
2.11
